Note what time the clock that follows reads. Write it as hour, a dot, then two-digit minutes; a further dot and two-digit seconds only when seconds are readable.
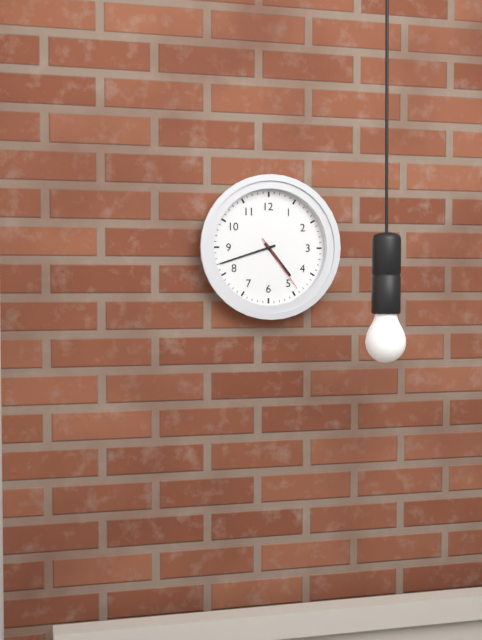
4.42.24
